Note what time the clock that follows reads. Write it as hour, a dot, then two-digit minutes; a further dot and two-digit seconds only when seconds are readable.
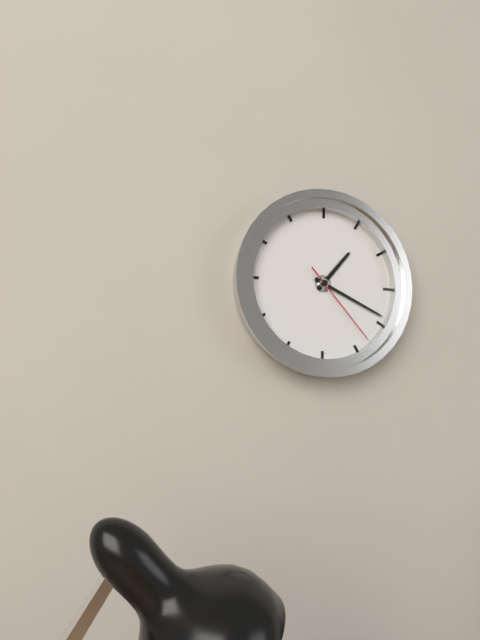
1.19.23
